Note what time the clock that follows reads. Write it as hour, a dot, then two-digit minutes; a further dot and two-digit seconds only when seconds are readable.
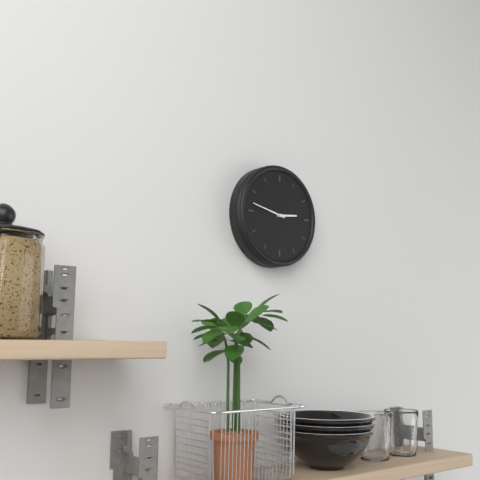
2.47
